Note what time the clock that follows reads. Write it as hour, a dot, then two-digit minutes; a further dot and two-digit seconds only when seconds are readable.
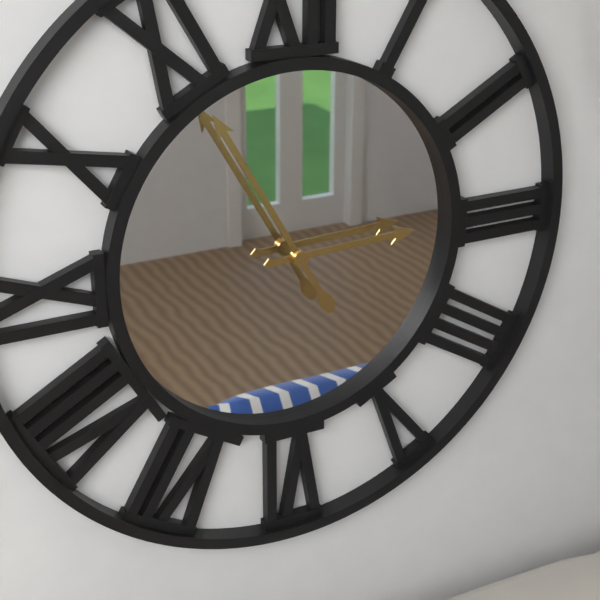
2.55
